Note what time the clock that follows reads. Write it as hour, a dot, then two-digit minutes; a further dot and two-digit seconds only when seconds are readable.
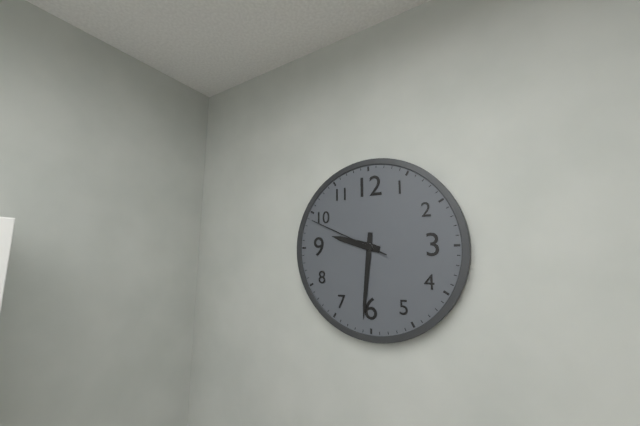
9.31.49
